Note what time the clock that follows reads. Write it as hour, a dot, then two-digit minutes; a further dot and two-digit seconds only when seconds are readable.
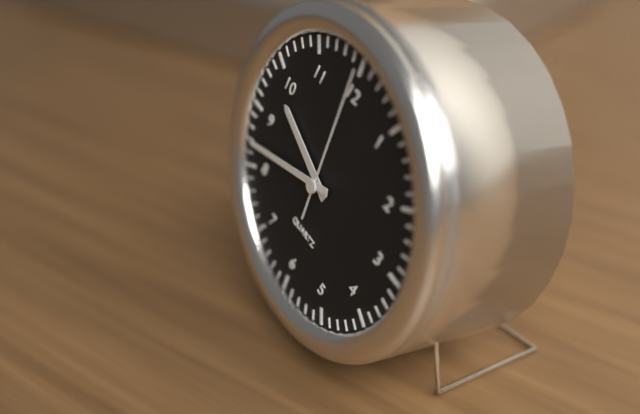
9.42.00
